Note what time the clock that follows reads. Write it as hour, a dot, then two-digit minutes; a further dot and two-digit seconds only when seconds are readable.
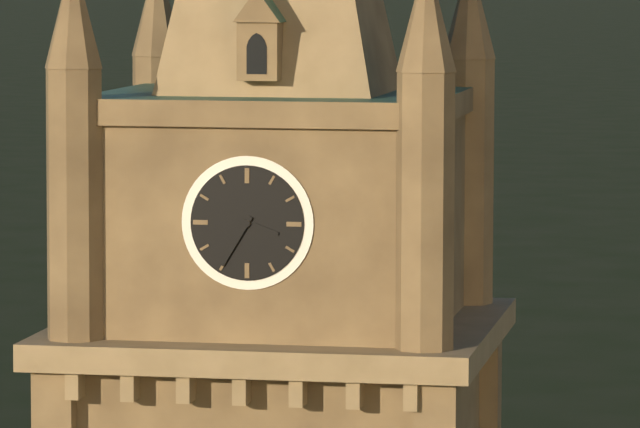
3.35
